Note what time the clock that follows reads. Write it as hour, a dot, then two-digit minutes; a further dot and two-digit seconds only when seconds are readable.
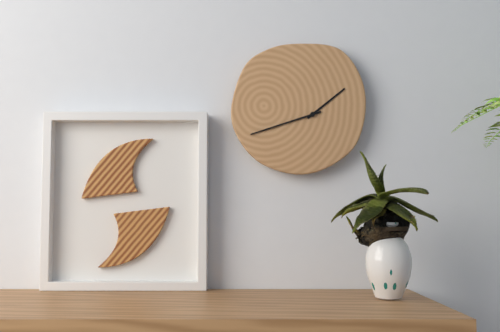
1.42
